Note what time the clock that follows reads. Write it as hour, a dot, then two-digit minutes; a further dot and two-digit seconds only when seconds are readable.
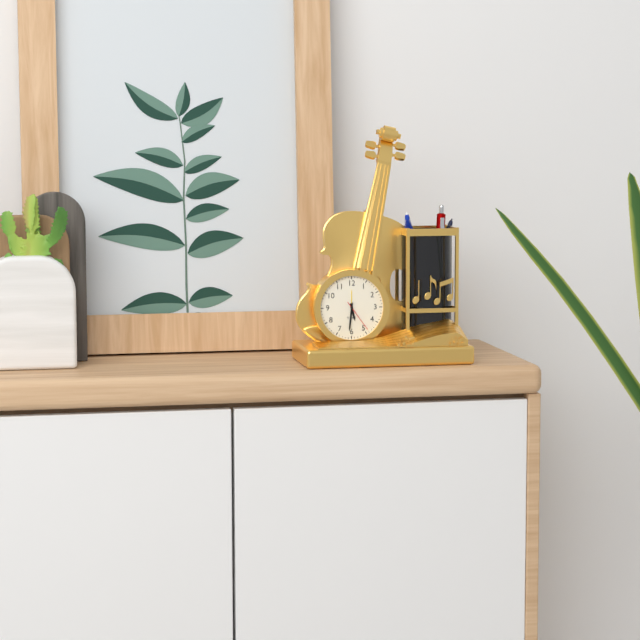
5.31
